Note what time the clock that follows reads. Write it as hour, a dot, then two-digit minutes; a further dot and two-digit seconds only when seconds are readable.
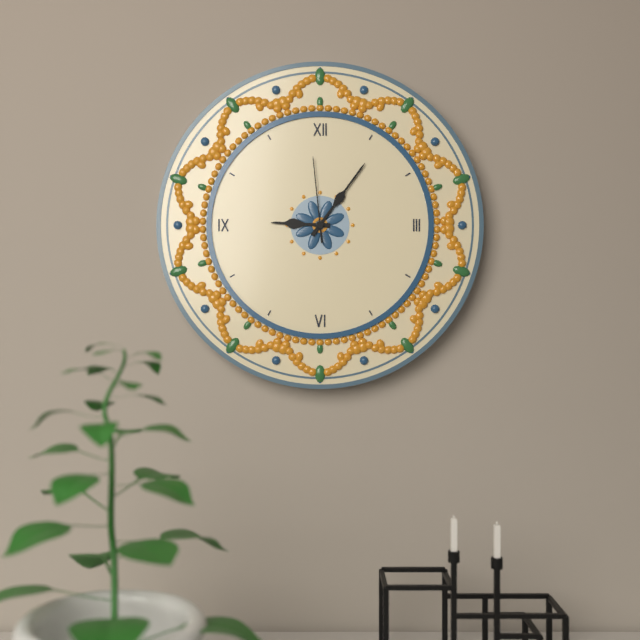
9.06.59
